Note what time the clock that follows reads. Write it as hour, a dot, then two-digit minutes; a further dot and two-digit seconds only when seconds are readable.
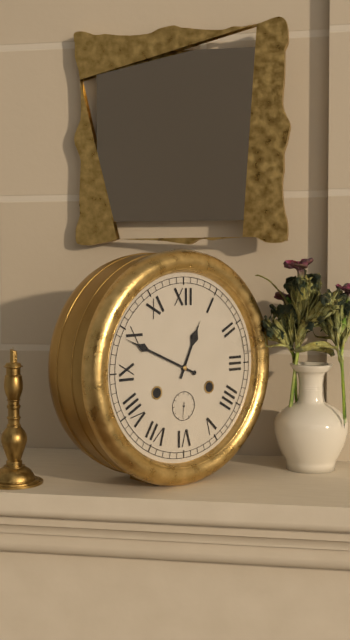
12.49
